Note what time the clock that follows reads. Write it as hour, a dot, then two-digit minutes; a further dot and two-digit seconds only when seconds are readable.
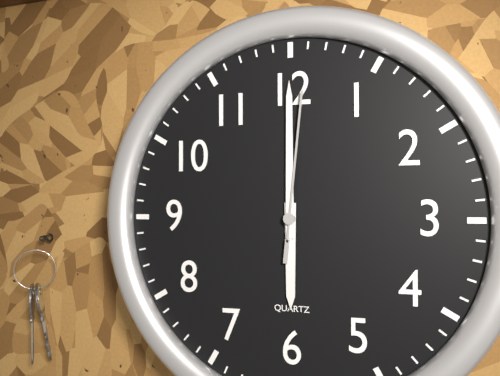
6.00.01
